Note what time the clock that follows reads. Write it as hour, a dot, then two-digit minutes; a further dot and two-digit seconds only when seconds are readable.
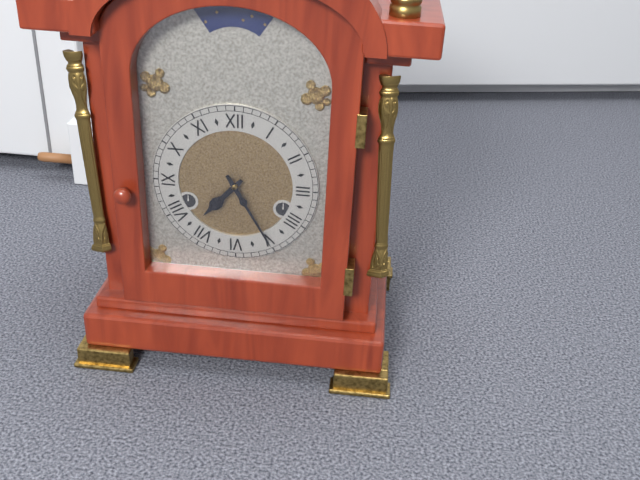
7.25
